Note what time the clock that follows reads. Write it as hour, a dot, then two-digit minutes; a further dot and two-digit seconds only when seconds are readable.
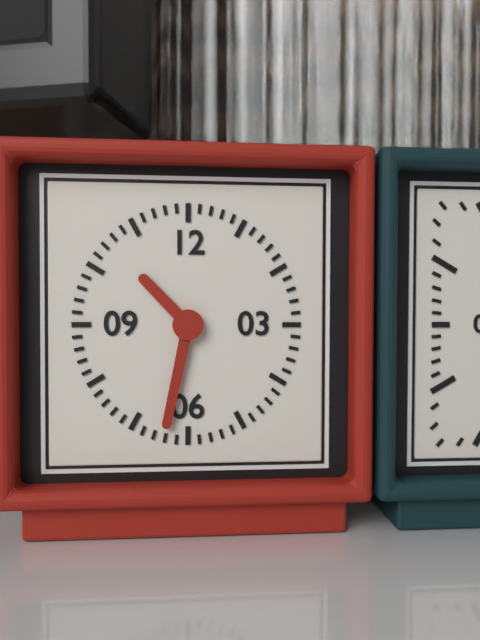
10.32
